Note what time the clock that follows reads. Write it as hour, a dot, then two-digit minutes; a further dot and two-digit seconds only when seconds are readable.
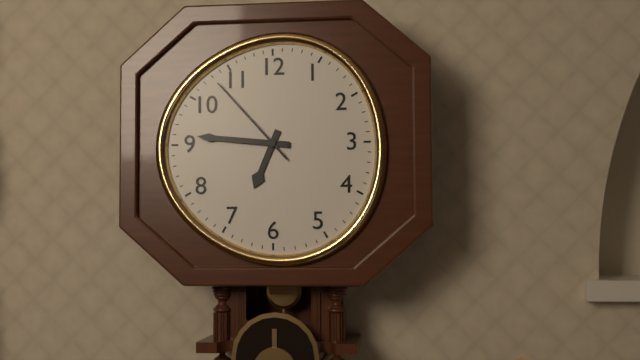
6.46.53
